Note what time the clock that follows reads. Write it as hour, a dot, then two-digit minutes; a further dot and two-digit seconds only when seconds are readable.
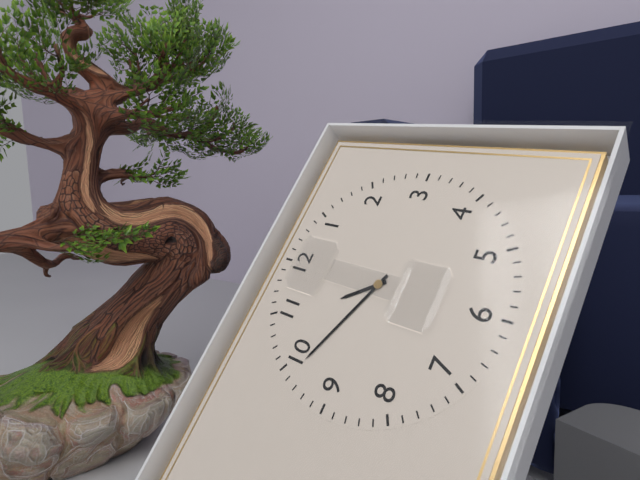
10.49
